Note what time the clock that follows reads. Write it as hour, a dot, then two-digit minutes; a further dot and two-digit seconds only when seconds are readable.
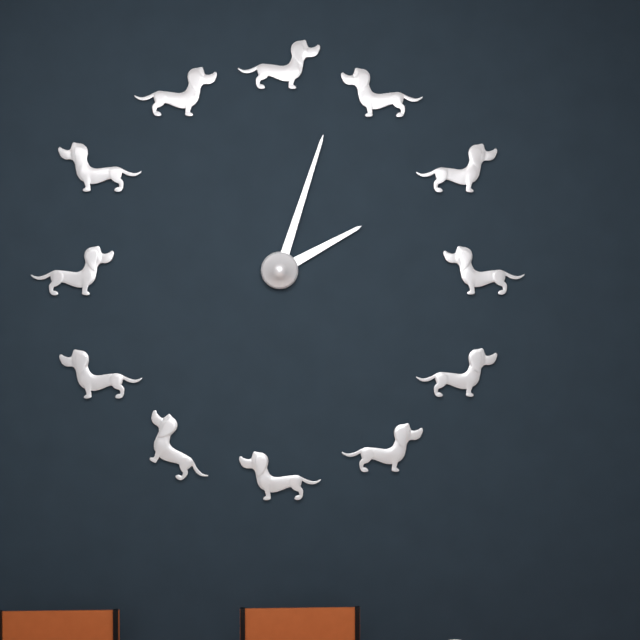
2.03
